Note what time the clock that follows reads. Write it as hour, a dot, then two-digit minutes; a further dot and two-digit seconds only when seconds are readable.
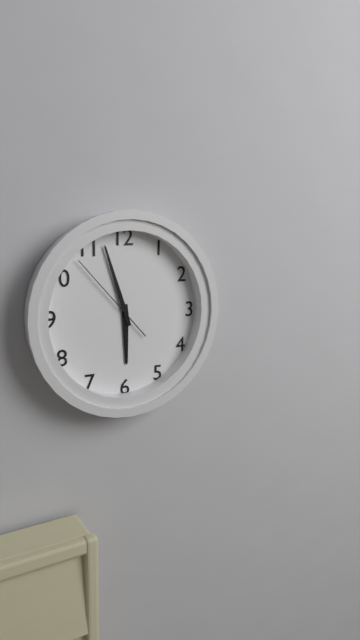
5.57.53
